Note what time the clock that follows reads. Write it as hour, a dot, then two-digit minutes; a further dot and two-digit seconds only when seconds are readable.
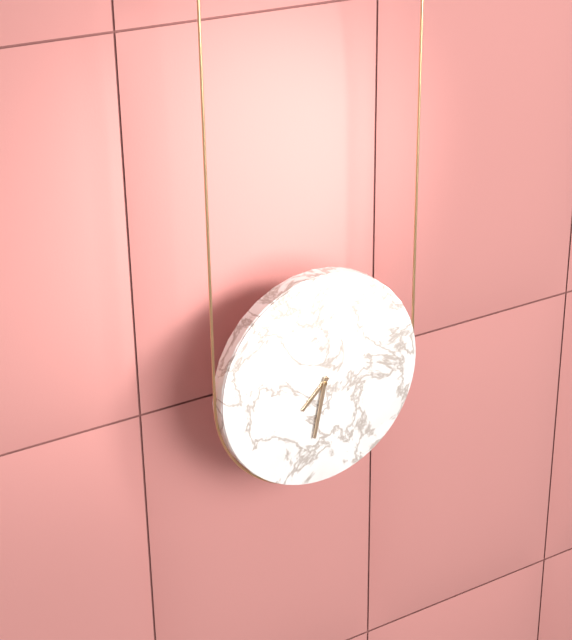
7.32
